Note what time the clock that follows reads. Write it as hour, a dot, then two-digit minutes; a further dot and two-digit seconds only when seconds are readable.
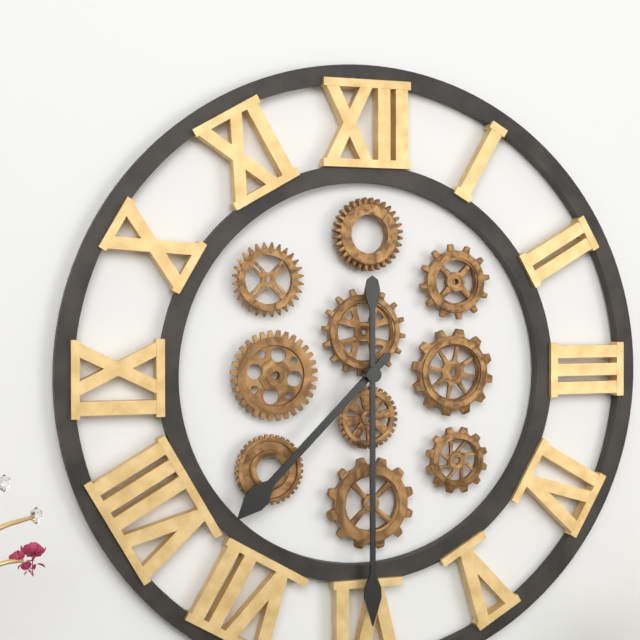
7.30
